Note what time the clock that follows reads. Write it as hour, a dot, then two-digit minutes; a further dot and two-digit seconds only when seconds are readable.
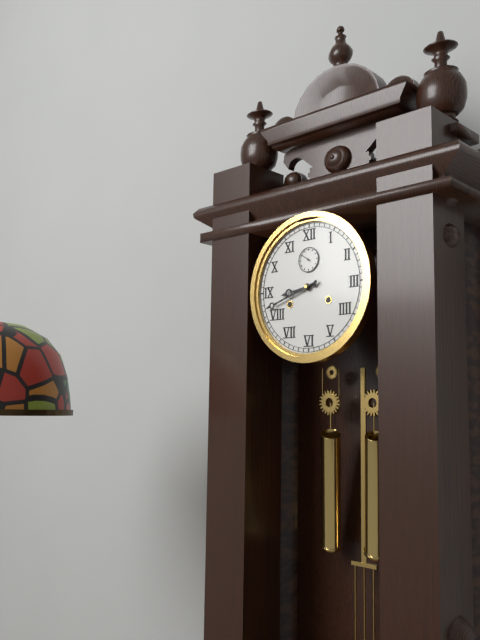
8.42
